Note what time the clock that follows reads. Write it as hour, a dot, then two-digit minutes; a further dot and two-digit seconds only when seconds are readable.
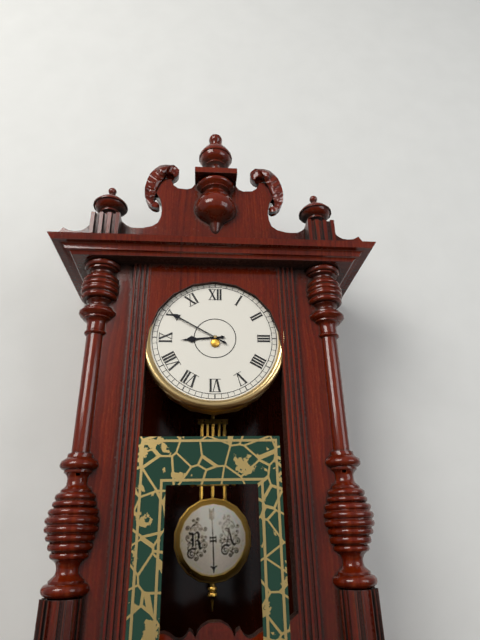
8.50
